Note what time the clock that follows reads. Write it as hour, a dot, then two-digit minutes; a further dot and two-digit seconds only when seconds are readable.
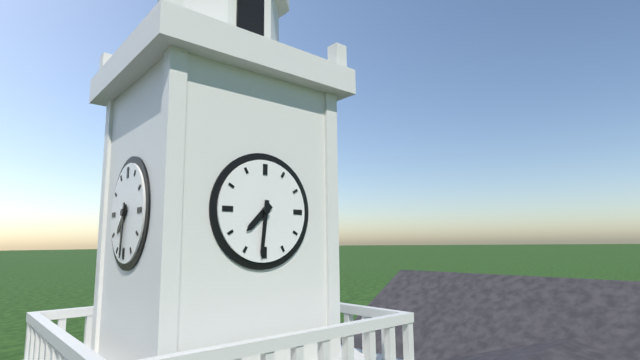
7.31
